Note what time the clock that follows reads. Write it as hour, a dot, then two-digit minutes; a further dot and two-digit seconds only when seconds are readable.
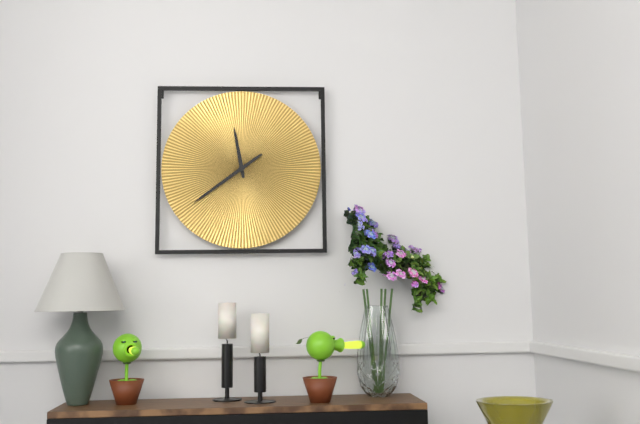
11.39
